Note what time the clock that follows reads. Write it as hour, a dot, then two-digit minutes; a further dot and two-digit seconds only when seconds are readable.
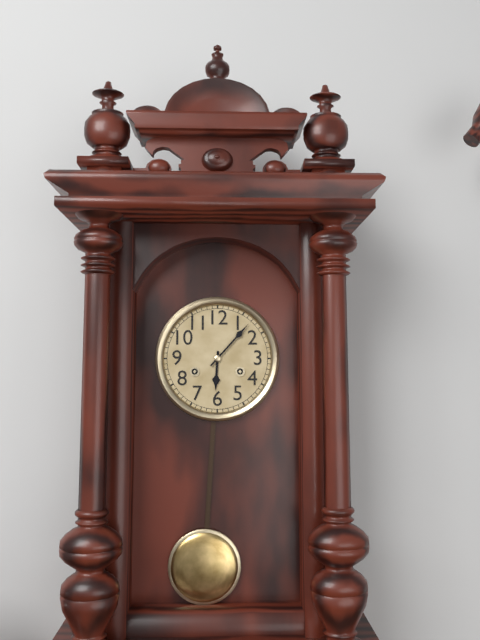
6.07
